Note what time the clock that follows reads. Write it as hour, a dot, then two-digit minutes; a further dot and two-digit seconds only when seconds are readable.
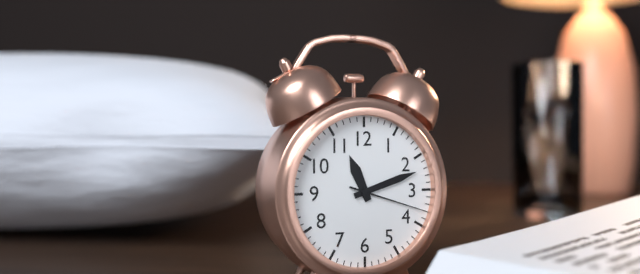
11.12.18
